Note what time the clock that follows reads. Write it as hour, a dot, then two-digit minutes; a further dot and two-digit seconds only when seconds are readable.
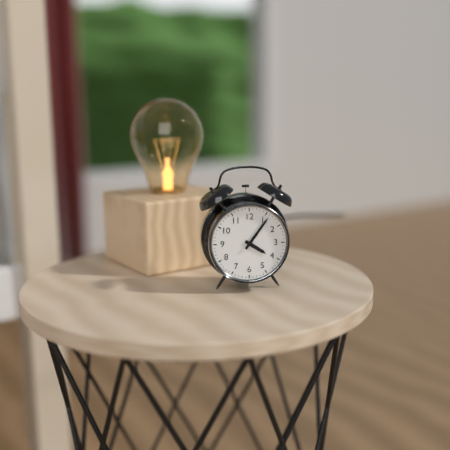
4.06
